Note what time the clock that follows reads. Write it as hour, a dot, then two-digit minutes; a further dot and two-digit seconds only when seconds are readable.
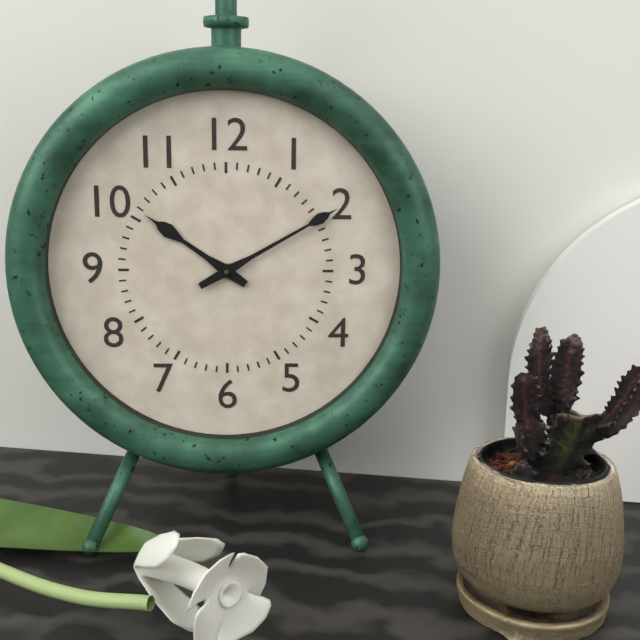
10.10
